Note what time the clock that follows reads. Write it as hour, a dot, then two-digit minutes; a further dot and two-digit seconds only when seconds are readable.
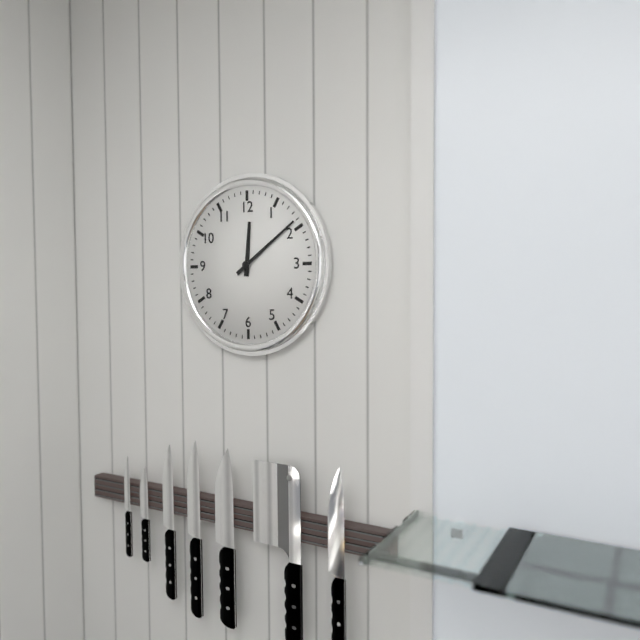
12.09
